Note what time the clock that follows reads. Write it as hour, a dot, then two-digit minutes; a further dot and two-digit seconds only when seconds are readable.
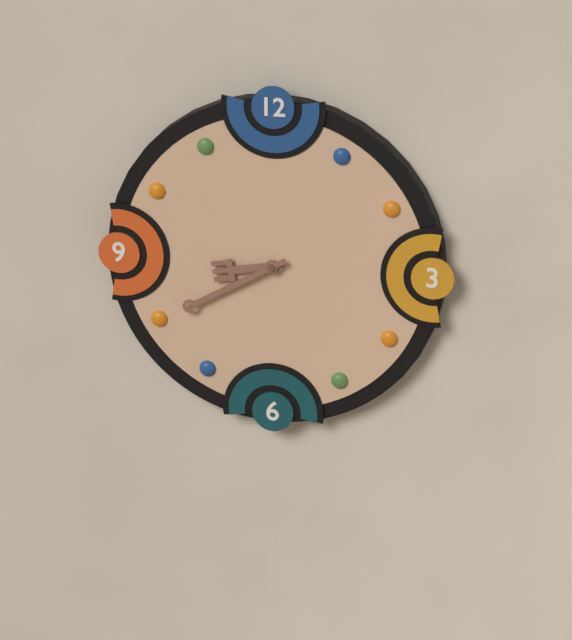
8.40
